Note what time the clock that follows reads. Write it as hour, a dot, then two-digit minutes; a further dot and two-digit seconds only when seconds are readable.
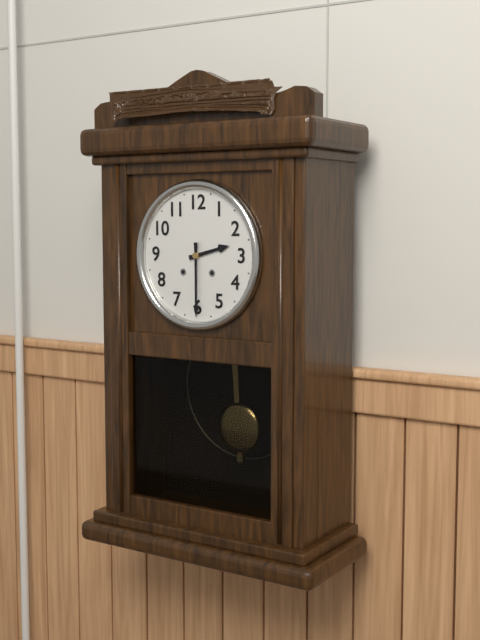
2.30
